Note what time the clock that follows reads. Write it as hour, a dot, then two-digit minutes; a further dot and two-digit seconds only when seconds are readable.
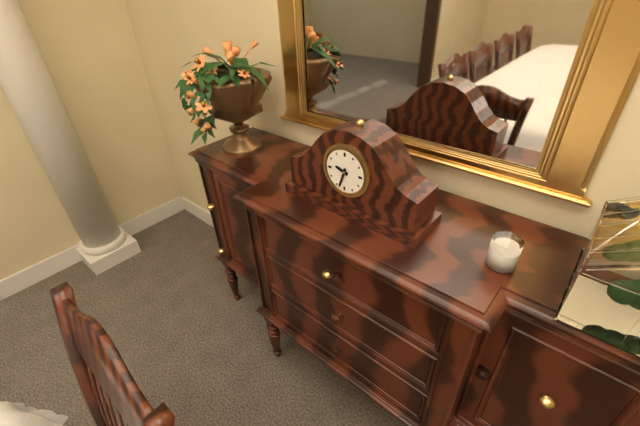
9.33
